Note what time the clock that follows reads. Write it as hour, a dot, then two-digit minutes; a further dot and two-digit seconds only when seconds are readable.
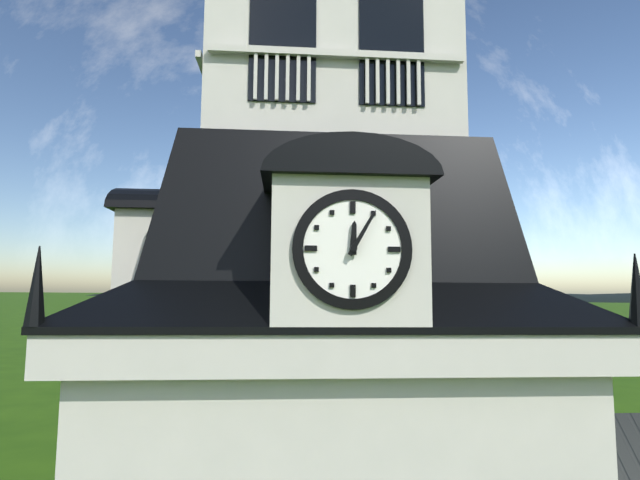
12.05
